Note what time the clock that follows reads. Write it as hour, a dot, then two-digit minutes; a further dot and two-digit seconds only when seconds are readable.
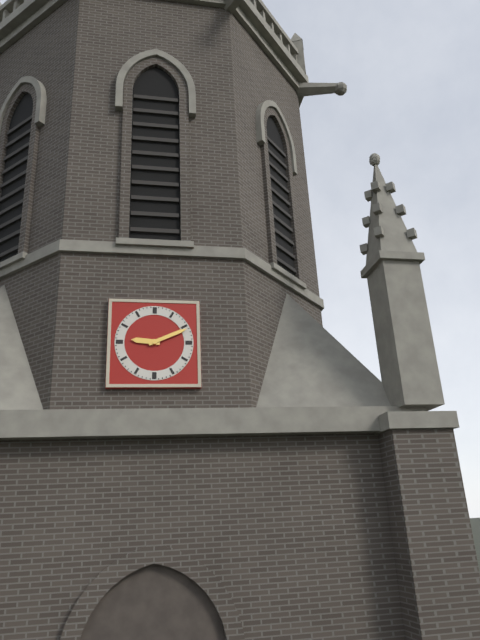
9.11
